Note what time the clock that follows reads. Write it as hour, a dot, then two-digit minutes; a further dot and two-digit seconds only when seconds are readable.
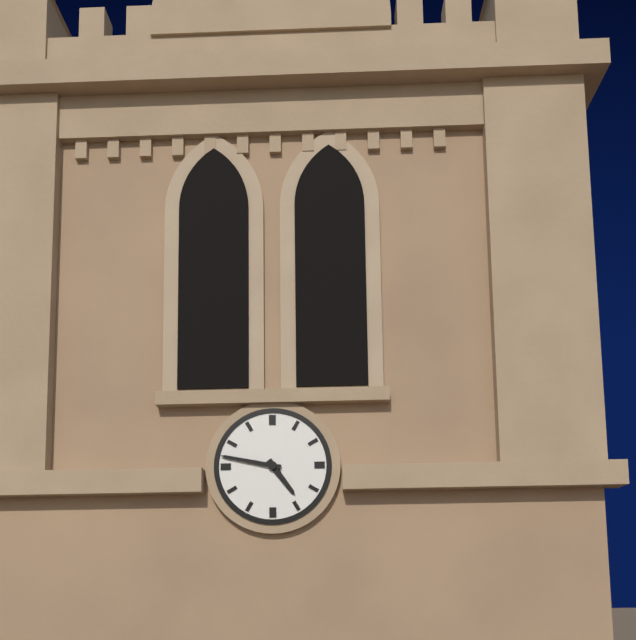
4.47
